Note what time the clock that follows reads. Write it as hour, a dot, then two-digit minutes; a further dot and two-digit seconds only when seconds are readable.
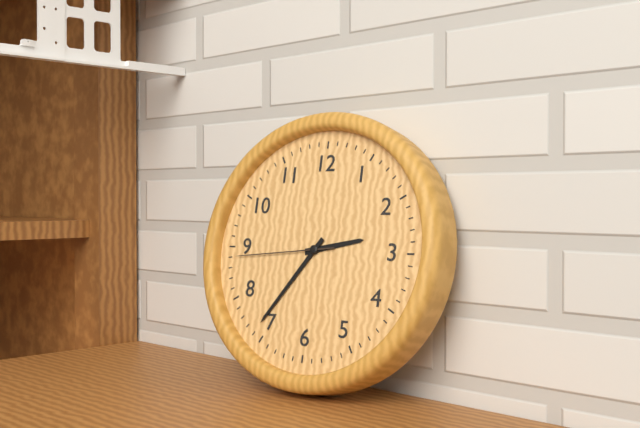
2.36.44
